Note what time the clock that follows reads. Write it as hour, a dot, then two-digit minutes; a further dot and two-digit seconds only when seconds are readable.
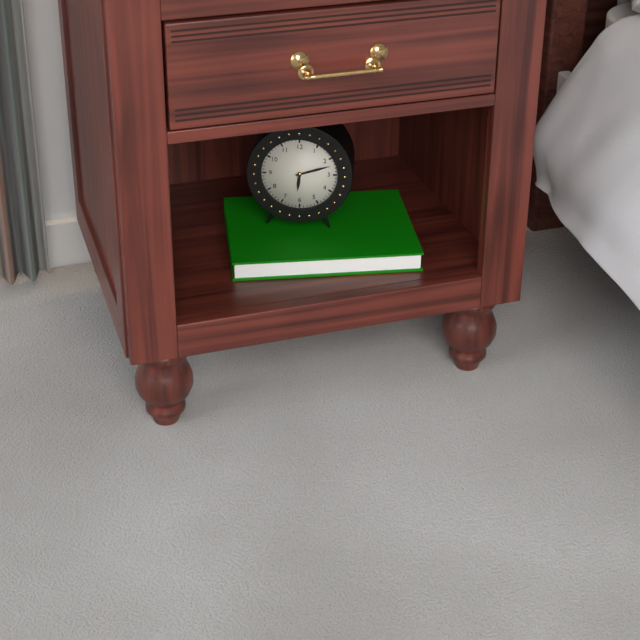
6.12
